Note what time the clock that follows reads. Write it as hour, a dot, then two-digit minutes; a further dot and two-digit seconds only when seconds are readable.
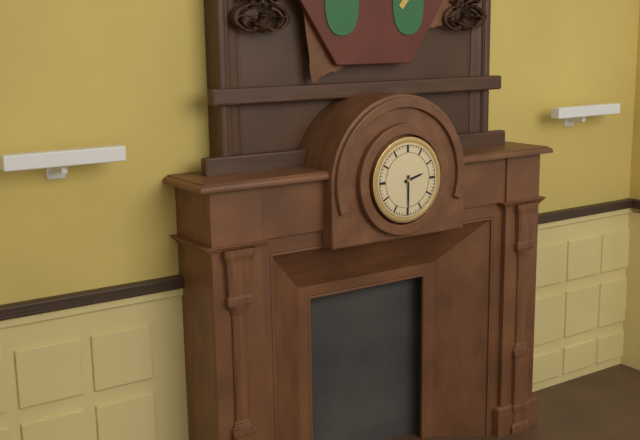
2.30
